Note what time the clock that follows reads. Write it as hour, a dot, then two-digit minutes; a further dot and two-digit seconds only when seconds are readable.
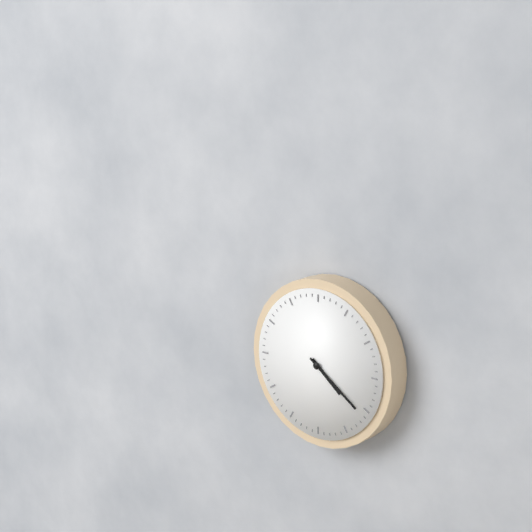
4.21
